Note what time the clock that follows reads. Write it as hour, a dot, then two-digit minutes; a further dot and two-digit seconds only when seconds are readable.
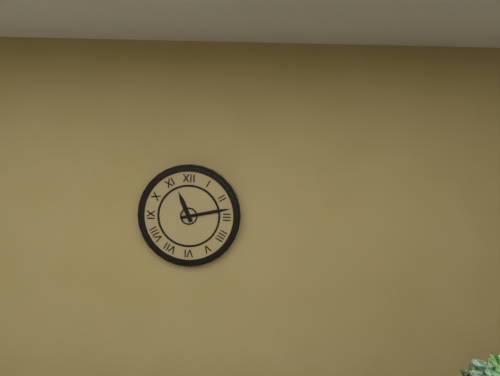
11.13
